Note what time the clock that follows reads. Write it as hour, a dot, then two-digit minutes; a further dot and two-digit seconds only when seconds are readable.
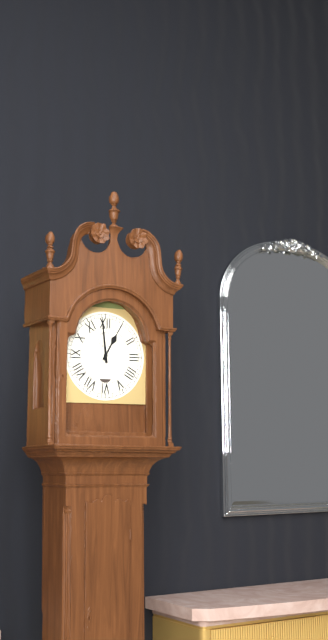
12.59
